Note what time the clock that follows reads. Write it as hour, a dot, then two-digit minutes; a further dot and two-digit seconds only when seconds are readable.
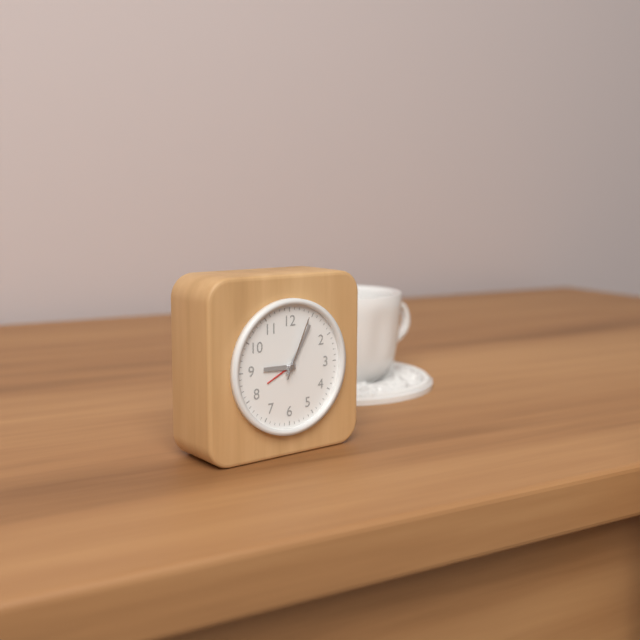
9.05.04
